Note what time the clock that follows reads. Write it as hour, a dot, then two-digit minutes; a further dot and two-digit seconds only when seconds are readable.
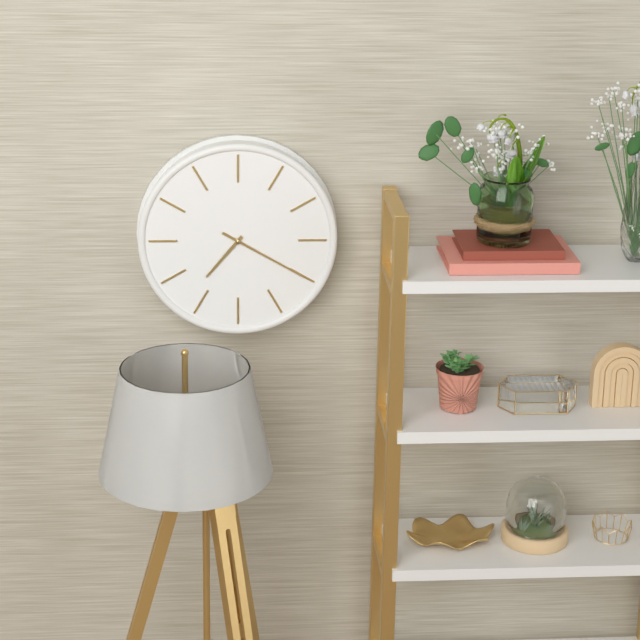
7.20
